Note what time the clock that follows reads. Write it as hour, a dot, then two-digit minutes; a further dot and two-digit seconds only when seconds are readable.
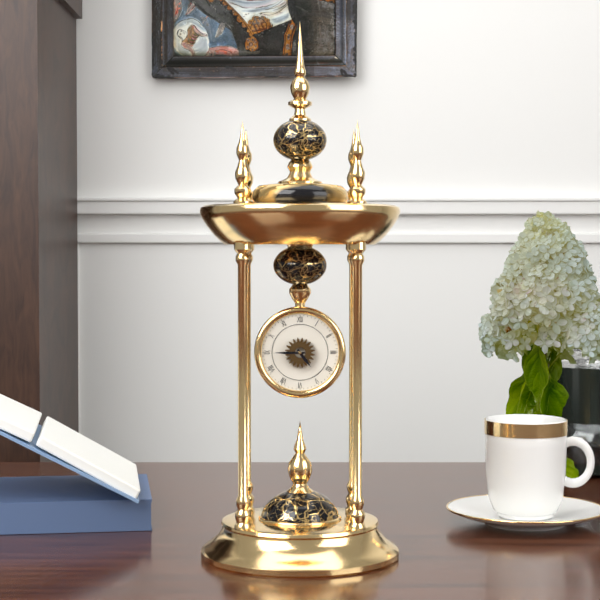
4.45
